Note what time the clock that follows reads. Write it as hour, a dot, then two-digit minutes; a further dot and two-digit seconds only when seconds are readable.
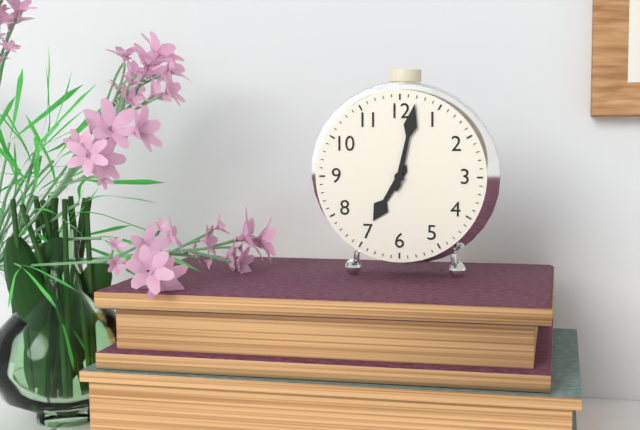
7.02
